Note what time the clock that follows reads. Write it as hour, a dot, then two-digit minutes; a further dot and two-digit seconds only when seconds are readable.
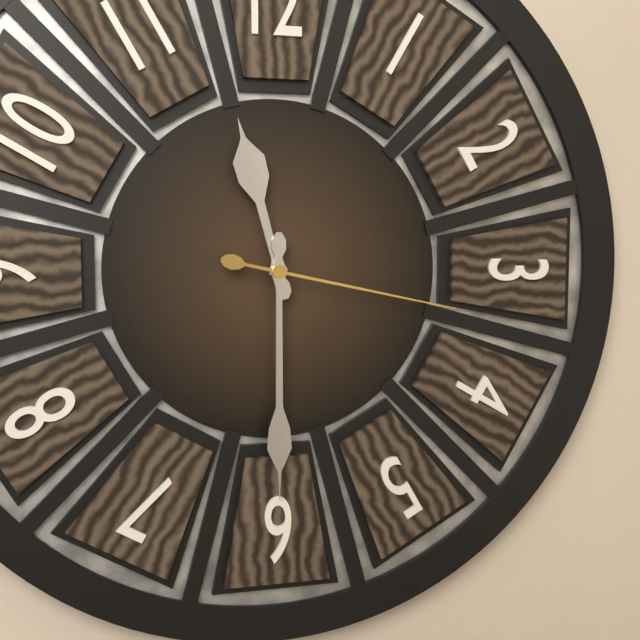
11.30.17
